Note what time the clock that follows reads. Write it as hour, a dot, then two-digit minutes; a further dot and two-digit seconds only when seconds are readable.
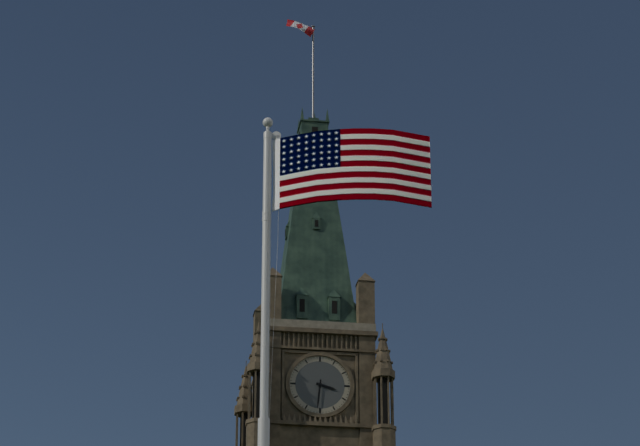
3.31
